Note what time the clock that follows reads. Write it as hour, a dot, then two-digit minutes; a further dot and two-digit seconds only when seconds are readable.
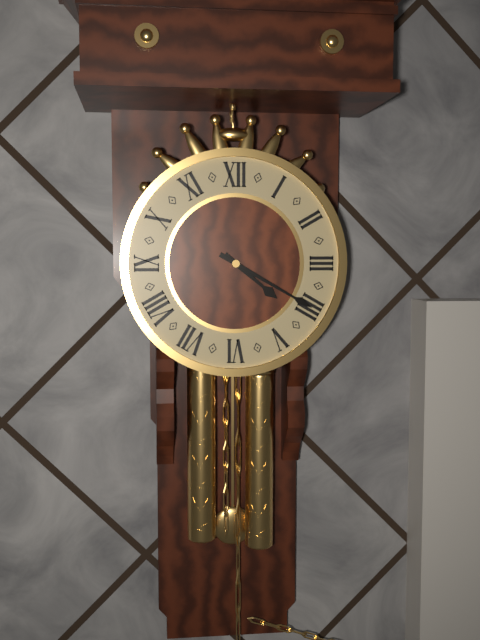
4.20
